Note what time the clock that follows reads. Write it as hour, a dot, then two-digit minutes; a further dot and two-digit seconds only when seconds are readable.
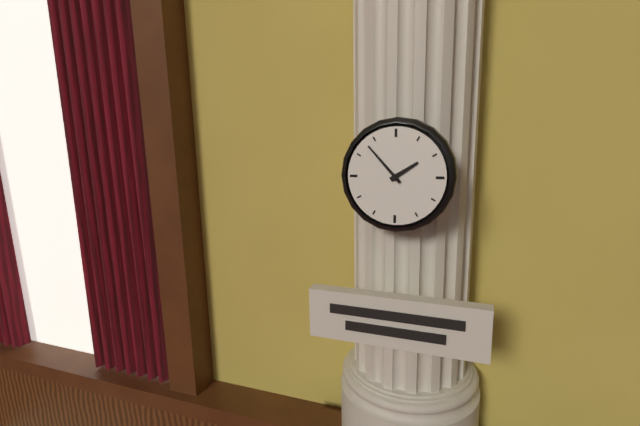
1.53
